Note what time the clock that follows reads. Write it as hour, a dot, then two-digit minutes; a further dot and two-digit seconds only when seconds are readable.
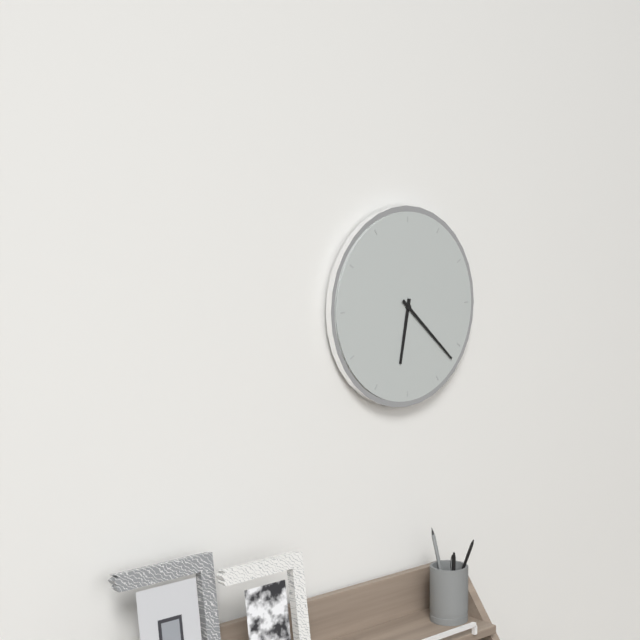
6.22
